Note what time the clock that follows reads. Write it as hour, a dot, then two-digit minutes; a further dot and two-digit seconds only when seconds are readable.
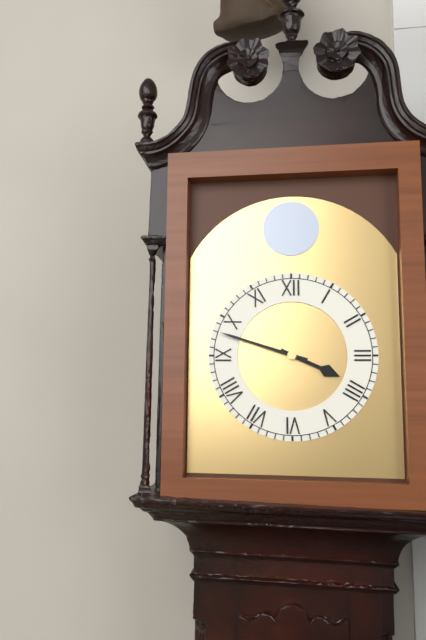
3.48
